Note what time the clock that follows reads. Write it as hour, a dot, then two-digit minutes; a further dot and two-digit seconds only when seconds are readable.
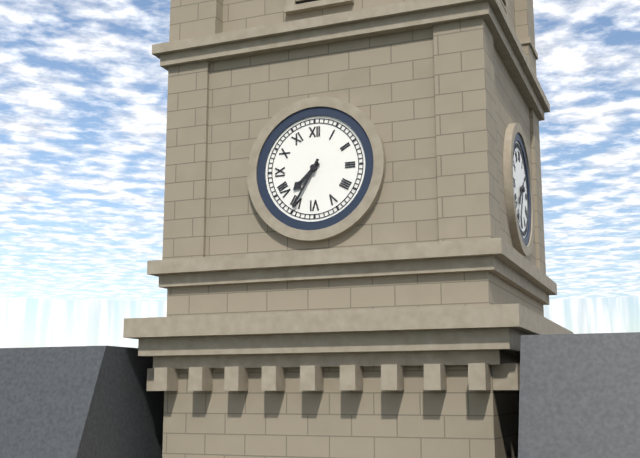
7.35
